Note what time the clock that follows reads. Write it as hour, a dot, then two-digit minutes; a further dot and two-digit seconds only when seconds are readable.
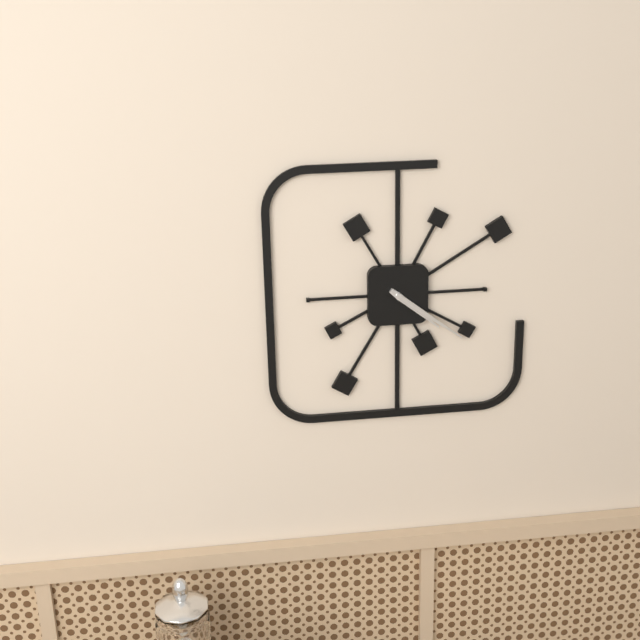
4.21
